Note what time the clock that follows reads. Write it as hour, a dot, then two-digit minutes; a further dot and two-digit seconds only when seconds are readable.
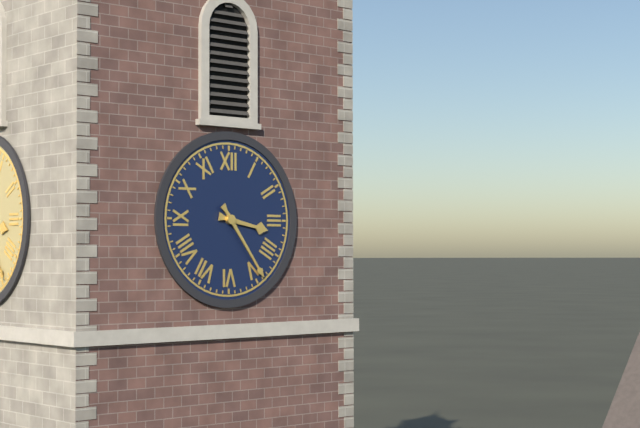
3.24
